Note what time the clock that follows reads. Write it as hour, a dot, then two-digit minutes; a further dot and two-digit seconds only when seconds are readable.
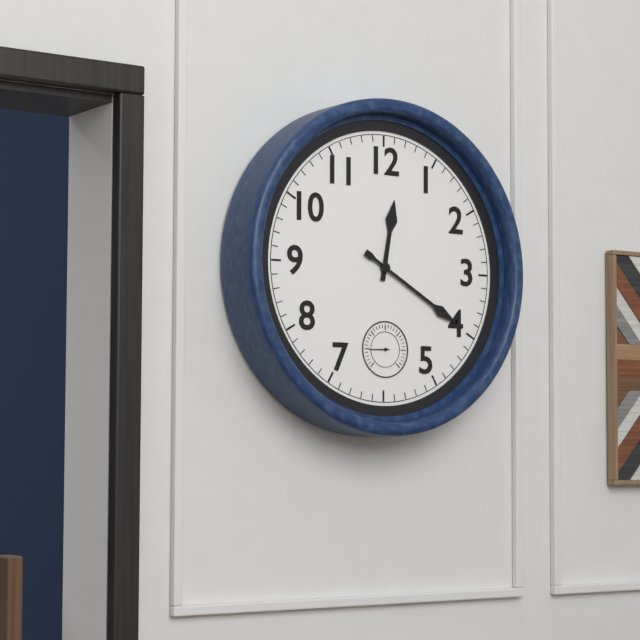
12.20
